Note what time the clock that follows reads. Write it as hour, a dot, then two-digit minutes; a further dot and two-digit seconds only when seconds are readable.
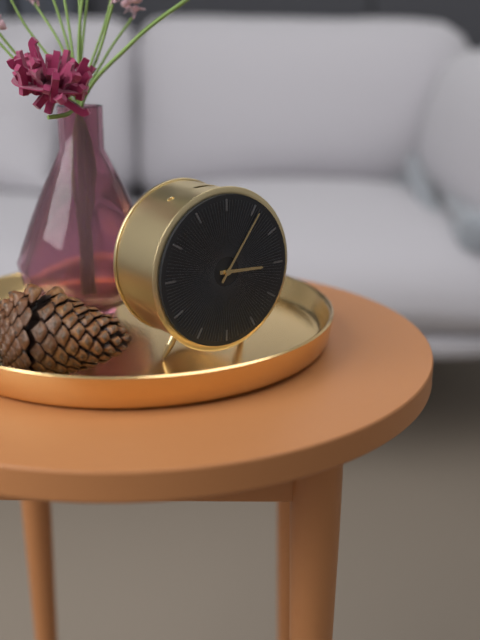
3.06
